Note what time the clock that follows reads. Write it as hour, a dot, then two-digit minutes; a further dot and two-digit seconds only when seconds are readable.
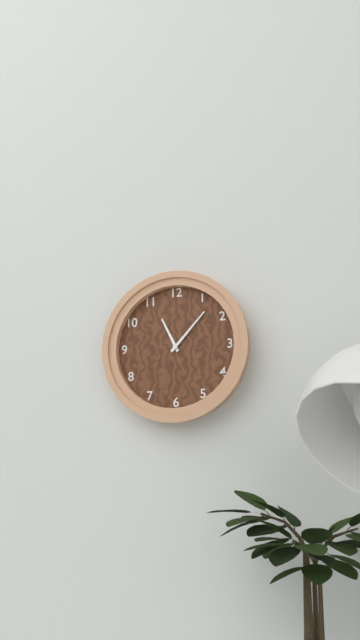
11.07
